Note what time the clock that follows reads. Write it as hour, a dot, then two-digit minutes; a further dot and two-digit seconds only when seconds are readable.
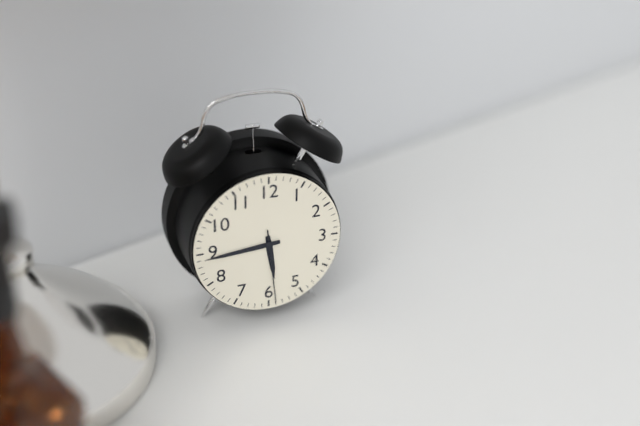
5.44.29
